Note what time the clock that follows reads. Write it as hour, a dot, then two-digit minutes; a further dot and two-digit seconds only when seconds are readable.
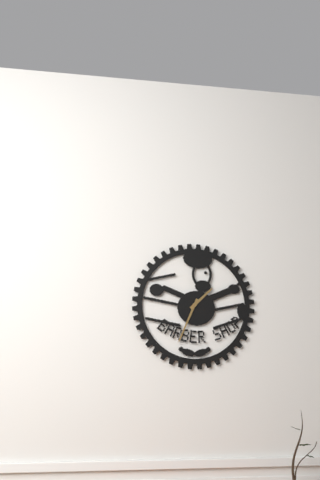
1.34
